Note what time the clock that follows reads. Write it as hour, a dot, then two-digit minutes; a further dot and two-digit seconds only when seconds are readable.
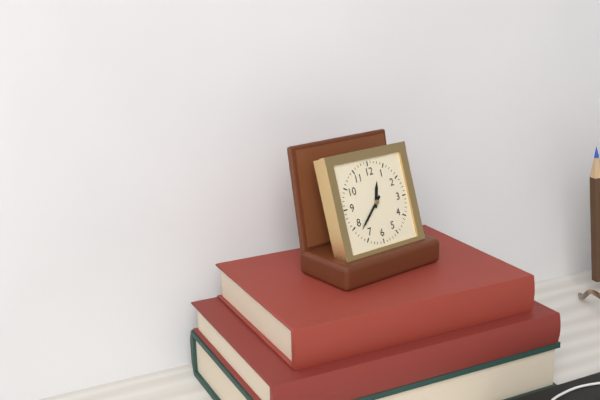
12.38
